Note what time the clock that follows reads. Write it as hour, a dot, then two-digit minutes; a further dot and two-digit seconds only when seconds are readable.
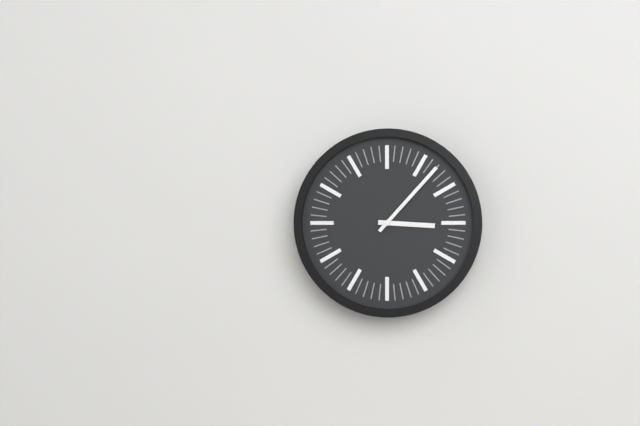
3.07
